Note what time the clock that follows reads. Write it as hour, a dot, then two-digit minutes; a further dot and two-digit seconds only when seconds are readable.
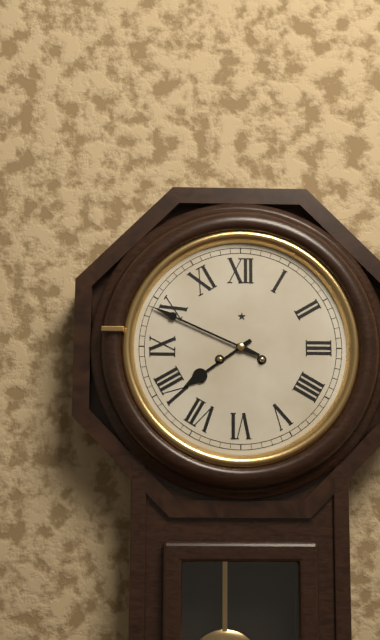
7.49
